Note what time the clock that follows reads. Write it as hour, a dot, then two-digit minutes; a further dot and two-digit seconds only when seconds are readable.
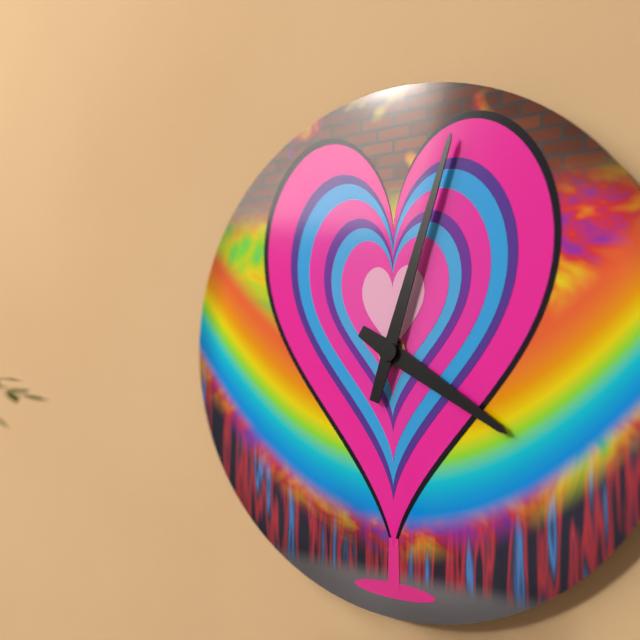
4.03
